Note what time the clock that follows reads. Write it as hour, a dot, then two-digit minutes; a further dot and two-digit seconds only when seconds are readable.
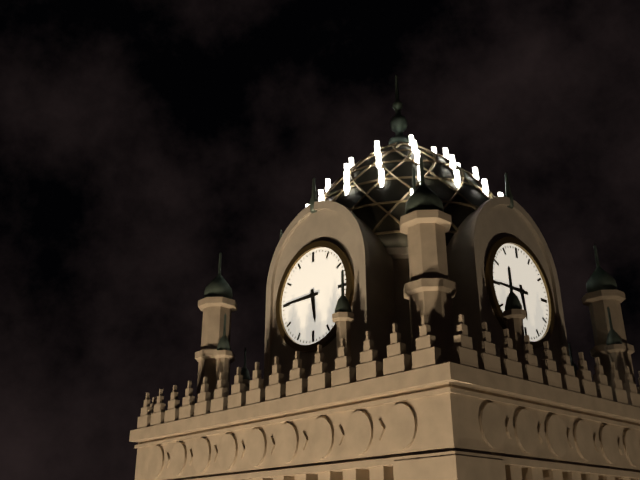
5.45
